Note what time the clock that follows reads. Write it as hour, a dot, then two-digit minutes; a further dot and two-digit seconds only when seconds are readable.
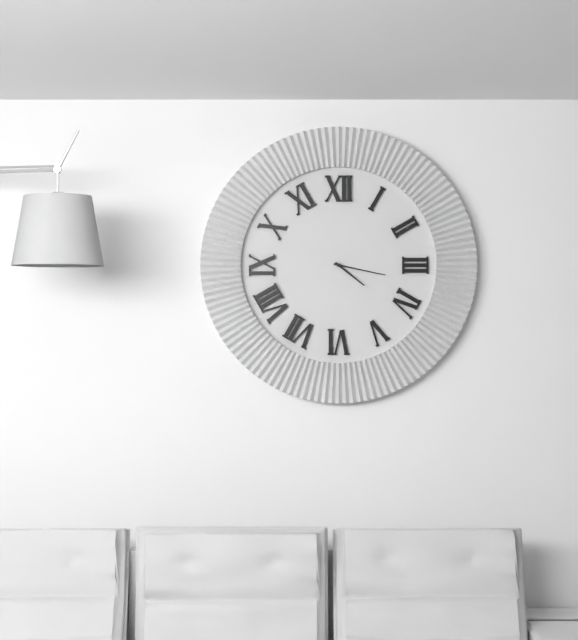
4.17
